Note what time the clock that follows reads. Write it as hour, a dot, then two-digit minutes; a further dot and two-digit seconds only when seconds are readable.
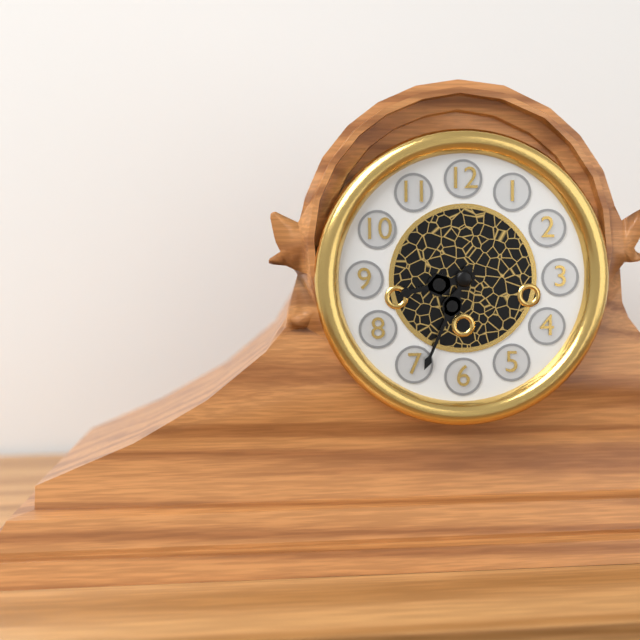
8.34
